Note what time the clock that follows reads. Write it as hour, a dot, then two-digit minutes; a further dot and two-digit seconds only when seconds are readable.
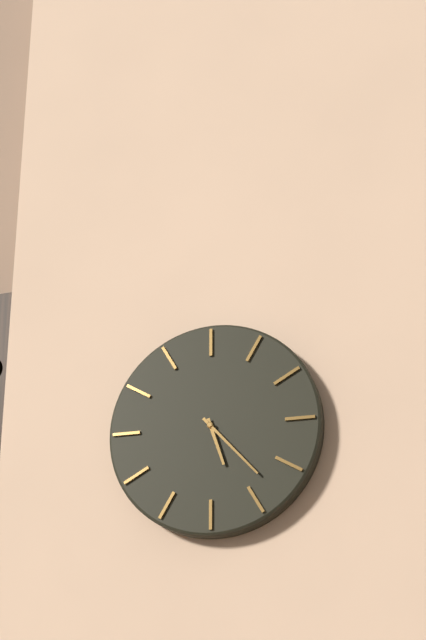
5.23
